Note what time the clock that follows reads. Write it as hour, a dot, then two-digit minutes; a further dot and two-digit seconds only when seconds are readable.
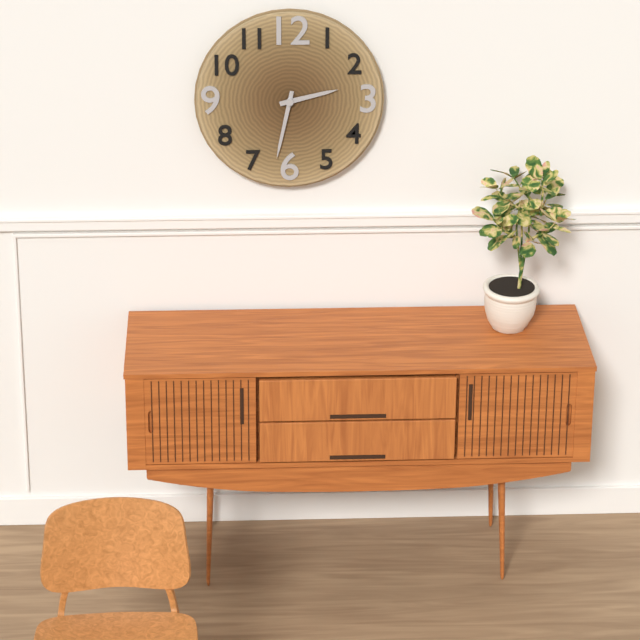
2.32
